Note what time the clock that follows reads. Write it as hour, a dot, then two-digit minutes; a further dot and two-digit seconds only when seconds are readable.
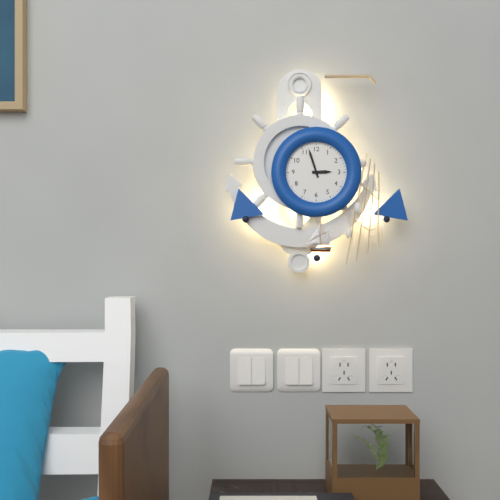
2.57
